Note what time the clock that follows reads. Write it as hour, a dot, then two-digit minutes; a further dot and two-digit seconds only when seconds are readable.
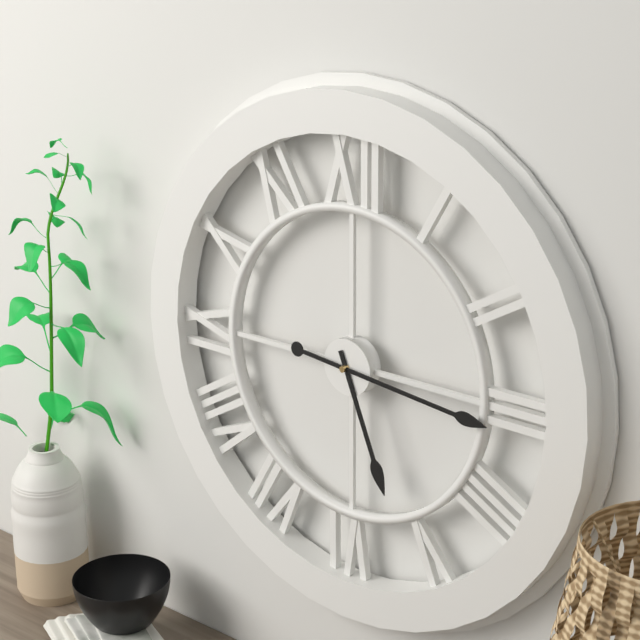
5.16
